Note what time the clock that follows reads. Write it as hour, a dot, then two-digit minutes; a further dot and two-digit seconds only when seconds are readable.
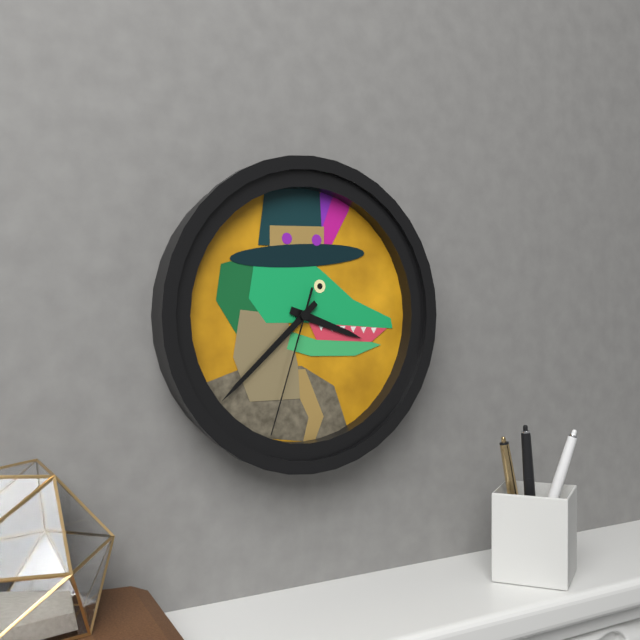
3.38.33
